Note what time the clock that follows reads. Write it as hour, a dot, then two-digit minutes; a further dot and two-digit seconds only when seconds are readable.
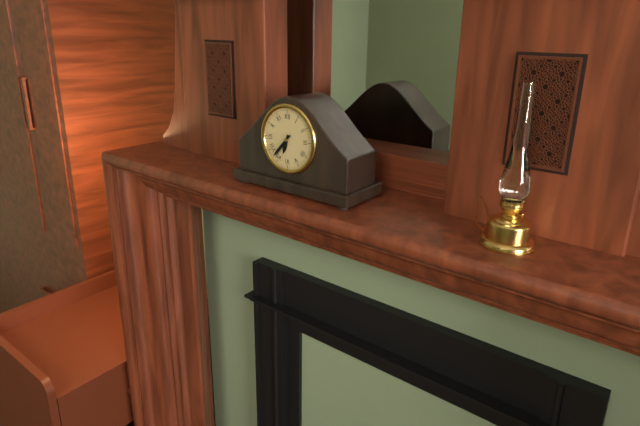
6.37
